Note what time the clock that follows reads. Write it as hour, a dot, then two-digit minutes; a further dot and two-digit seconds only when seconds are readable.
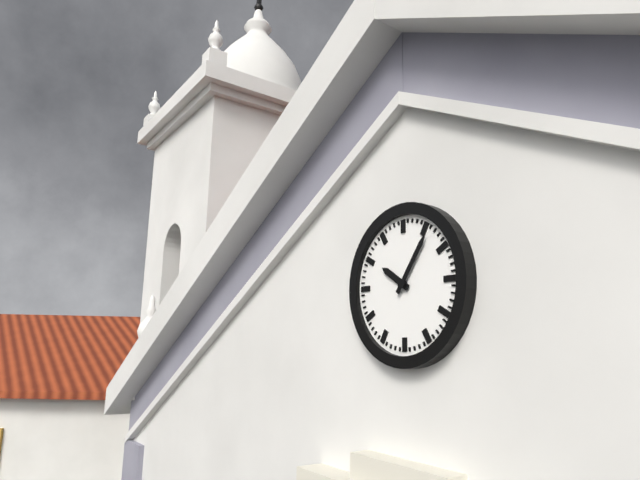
10.06
